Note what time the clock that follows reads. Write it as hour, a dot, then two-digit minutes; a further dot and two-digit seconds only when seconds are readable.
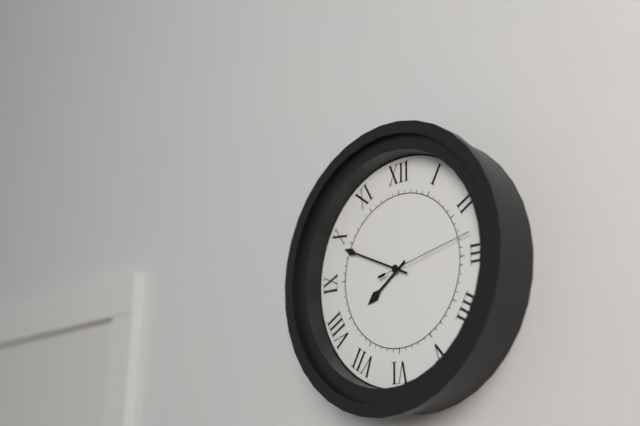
7.49.13
